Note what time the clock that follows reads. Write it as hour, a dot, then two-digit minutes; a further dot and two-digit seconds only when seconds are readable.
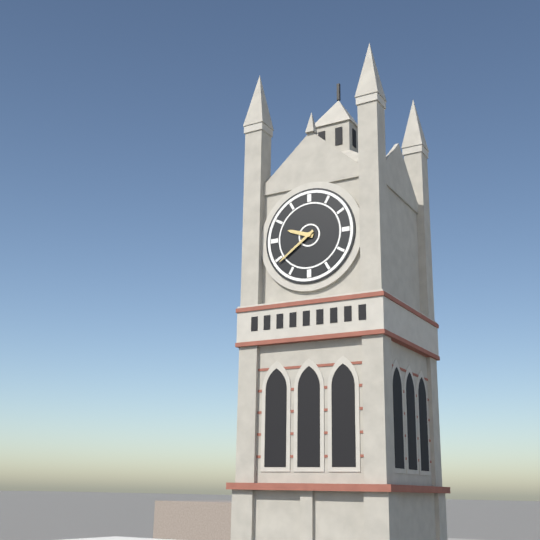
9.39
